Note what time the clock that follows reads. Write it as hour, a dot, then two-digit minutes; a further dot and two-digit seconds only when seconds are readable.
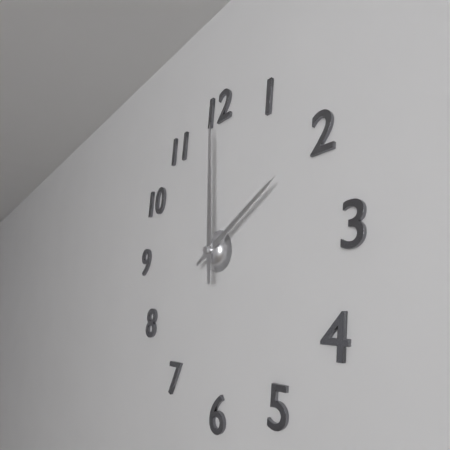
2.00
